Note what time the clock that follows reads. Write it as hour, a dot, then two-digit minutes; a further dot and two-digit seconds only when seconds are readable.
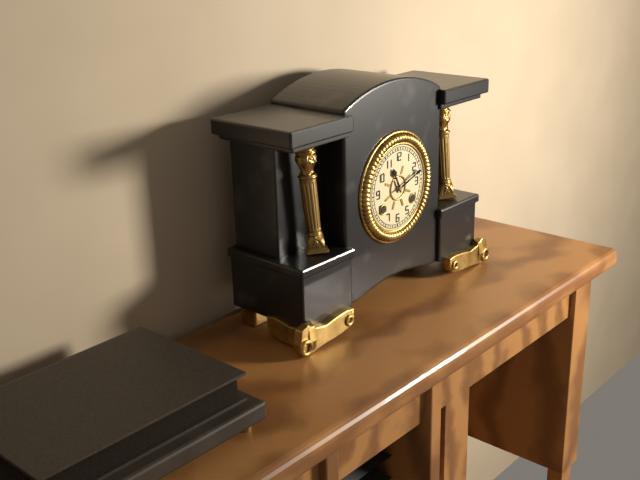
11.12
